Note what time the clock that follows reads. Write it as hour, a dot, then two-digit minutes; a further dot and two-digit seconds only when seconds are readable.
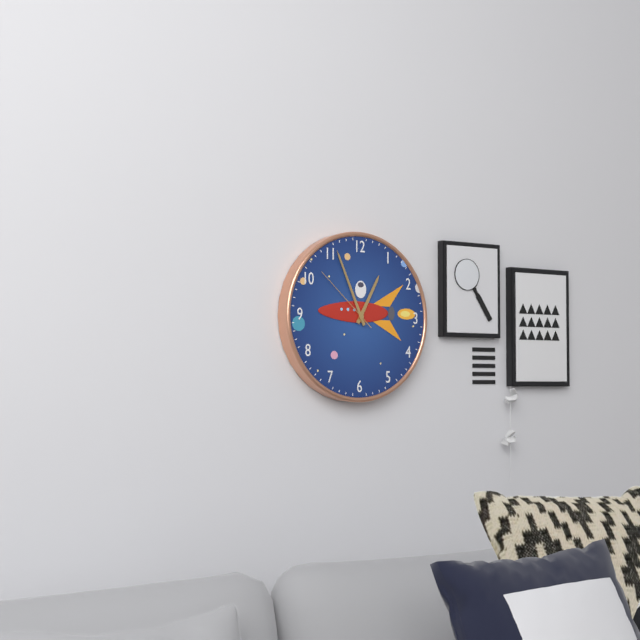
12.56.52
